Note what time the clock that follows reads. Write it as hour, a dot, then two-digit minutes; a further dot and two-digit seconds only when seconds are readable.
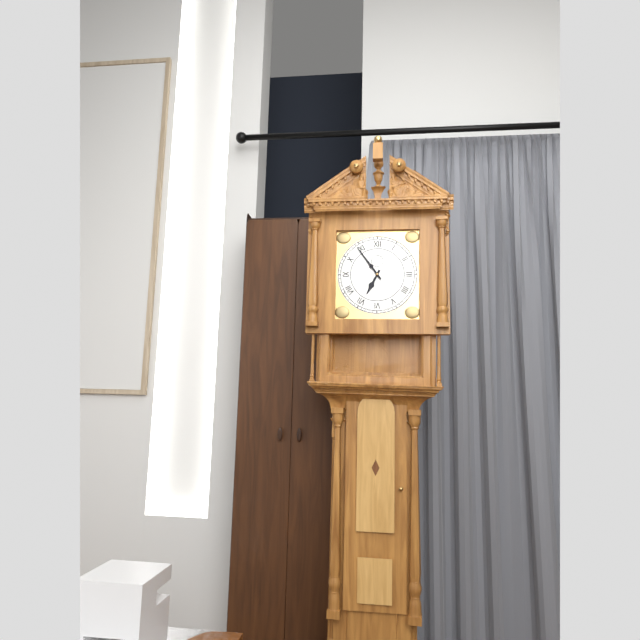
6.54
